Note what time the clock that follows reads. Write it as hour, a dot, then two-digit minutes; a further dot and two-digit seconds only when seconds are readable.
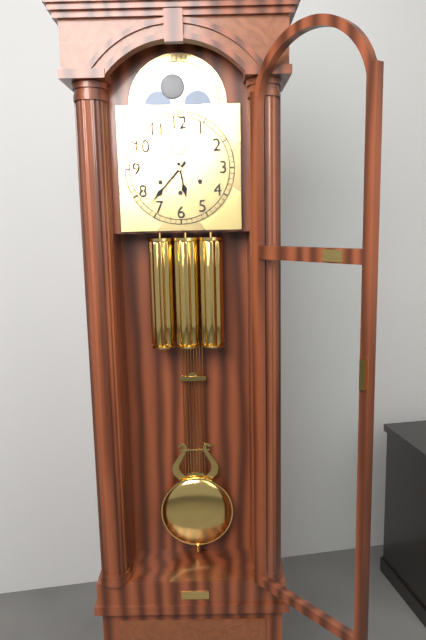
5.37
